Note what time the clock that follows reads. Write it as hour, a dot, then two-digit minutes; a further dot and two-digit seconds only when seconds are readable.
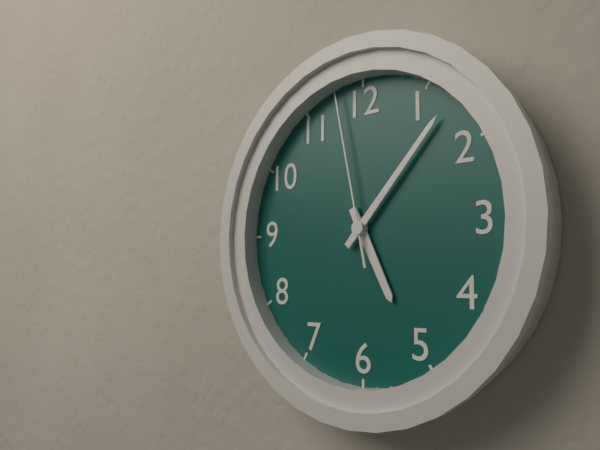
5.07.58
